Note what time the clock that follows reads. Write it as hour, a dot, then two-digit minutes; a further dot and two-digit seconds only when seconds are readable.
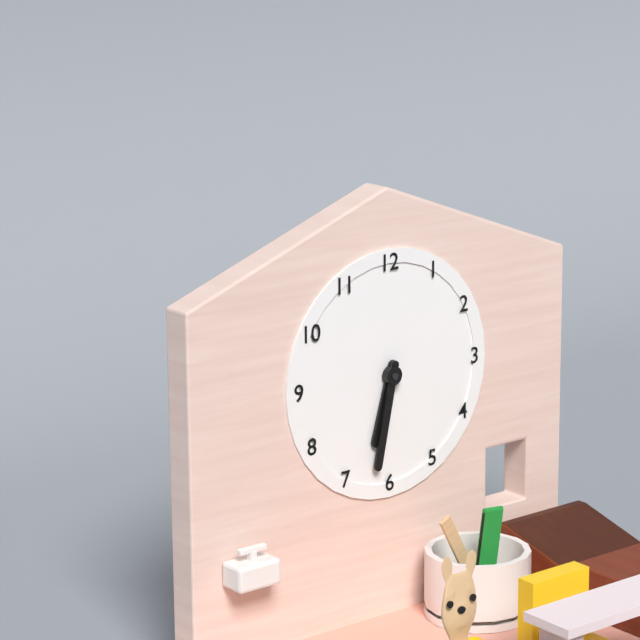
6.32
